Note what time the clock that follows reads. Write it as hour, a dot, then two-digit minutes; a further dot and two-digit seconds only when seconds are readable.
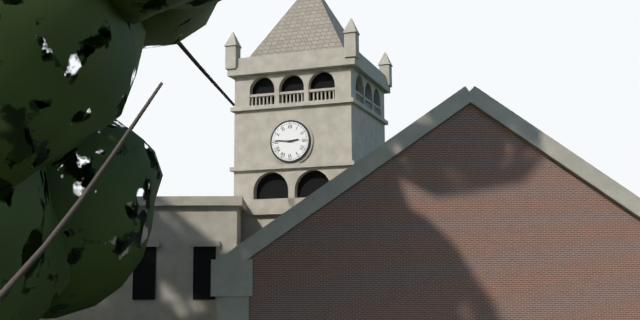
2.46
